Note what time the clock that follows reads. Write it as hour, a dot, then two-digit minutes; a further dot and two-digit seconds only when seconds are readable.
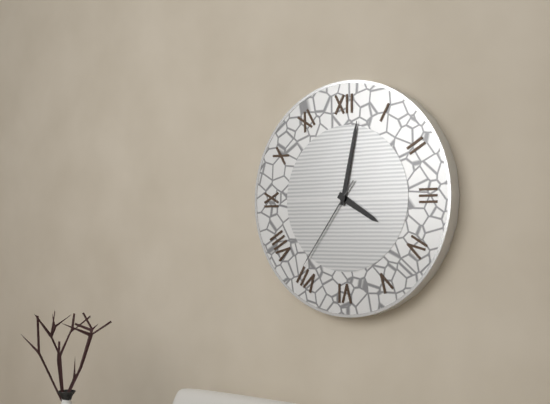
4.02.36
